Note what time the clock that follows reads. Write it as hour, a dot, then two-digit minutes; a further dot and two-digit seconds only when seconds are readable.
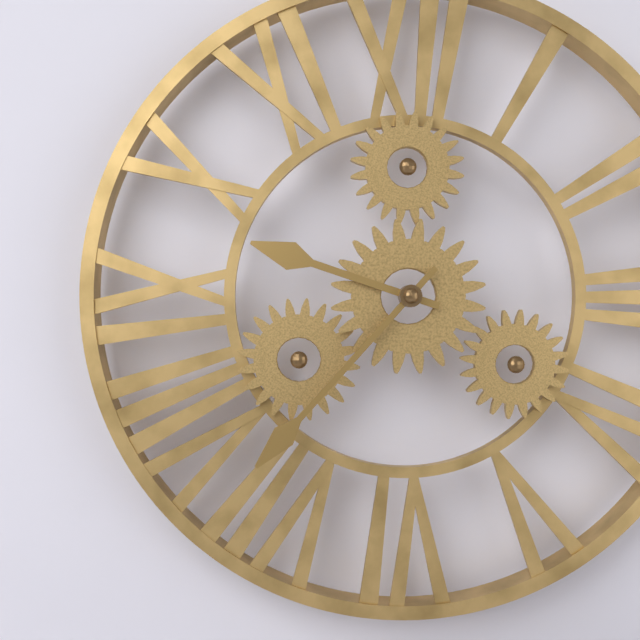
9.37
